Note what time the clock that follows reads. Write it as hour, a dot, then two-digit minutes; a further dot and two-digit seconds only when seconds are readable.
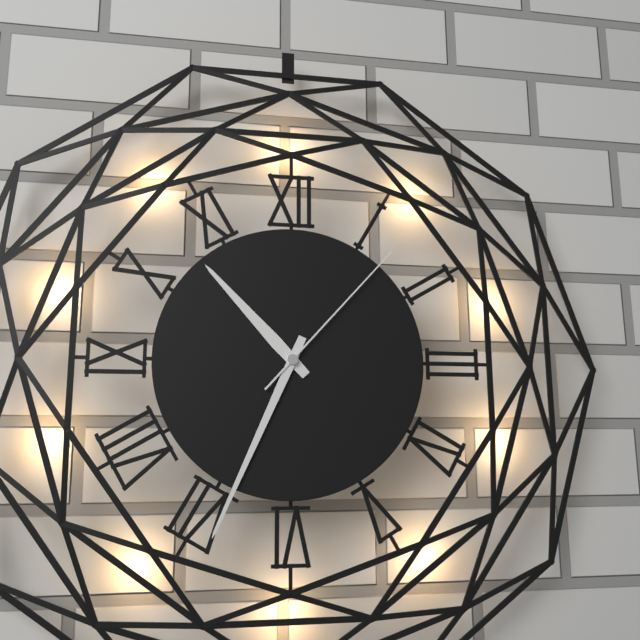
10.34.07
